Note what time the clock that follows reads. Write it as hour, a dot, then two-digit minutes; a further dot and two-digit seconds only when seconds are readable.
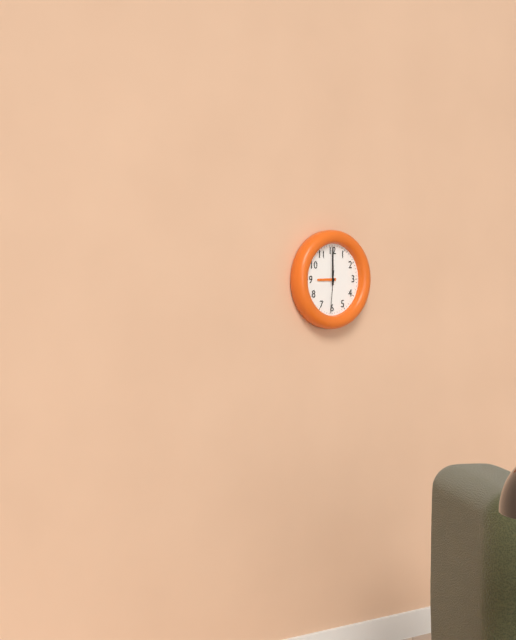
9.00
